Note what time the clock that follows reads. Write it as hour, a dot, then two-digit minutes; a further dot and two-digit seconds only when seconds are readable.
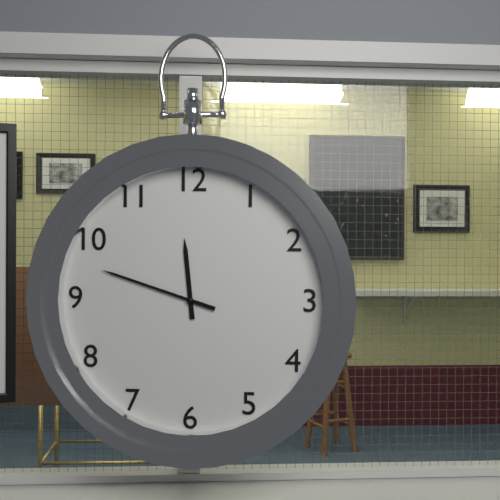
11.48
